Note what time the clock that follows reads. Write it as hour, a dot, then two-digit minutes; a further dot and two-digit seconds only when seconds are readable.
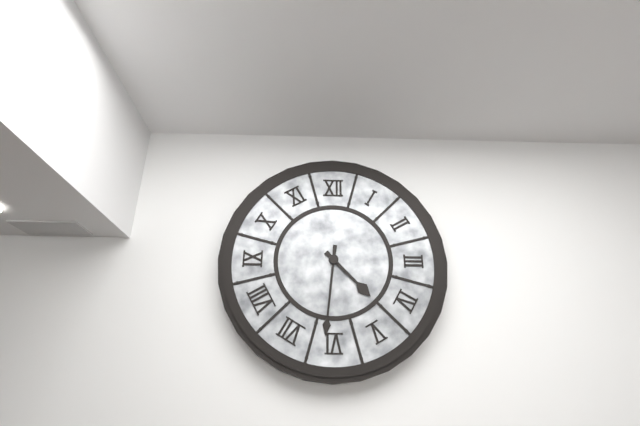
4.31
